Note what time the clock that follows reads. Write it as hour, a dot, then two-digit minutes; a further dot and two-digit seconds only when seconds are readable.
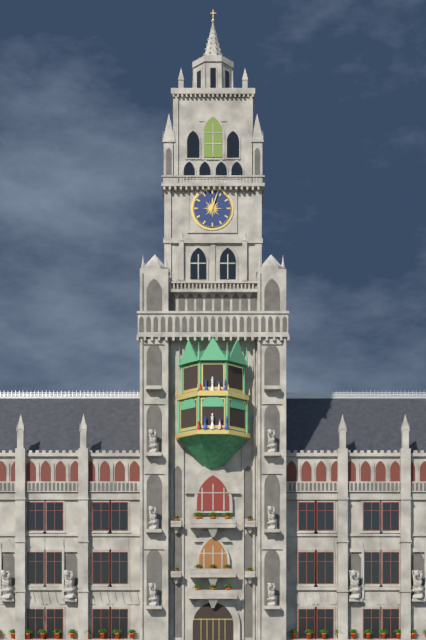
12.03
